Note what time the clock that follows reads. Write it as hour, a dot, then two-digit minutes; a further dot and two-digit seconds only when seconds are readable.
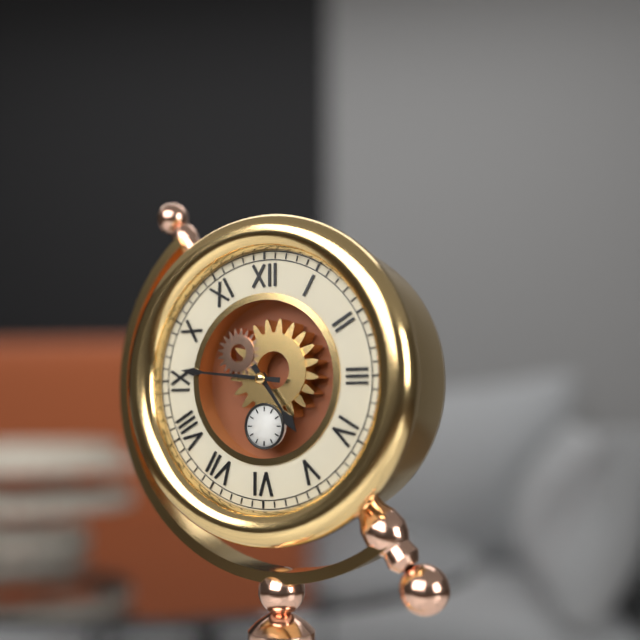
4.46
